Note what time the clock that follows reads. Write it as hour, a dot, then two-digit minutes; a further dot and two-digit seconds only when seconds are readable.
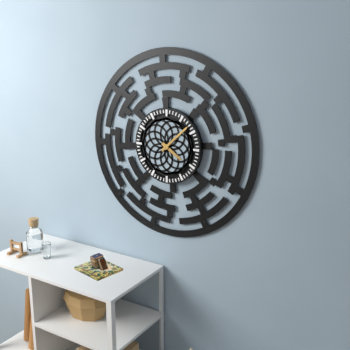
4.08
